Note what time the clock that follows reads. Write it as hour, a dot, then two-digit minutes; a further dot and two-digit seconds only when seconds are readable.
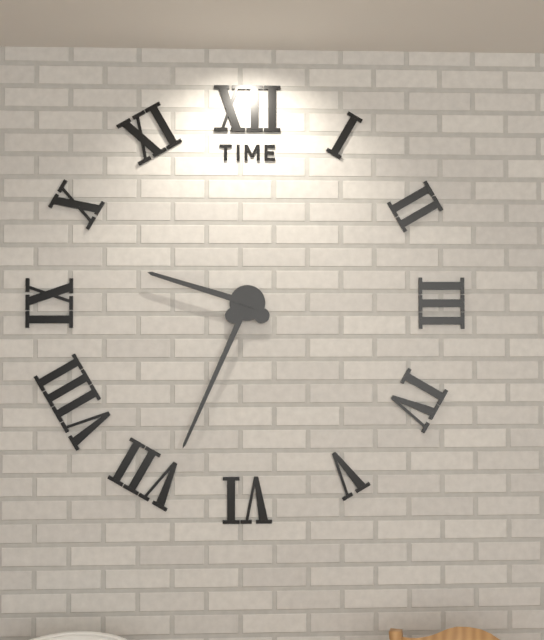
9.34
